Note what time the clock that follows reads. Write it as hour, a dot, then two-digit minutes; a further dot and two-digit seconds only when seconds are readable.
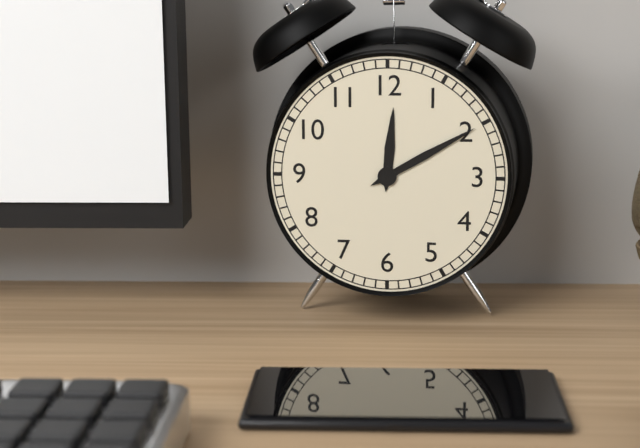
12.10
